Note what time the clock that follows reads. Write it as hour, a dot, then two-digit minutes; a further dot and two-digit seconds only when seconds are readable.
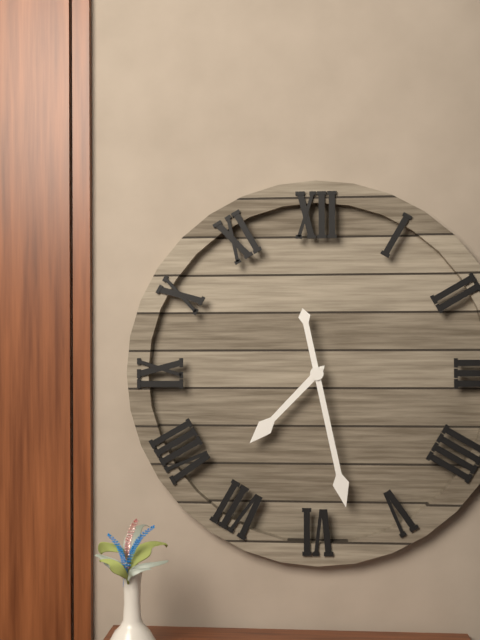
7.28
